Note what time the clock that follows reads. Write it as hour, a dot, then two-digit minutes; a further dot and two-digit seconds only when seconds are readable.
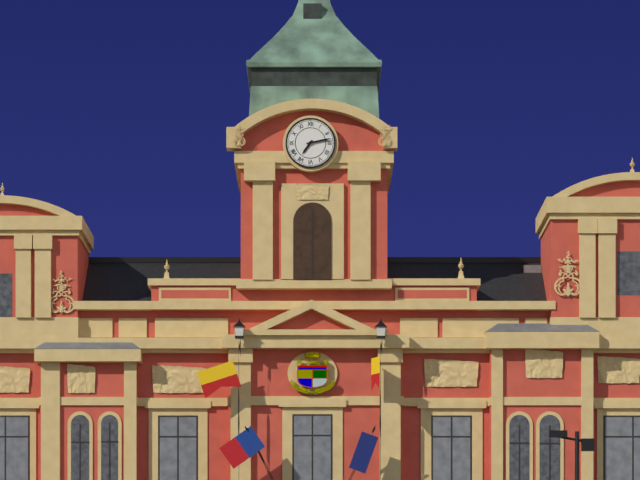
7.13
